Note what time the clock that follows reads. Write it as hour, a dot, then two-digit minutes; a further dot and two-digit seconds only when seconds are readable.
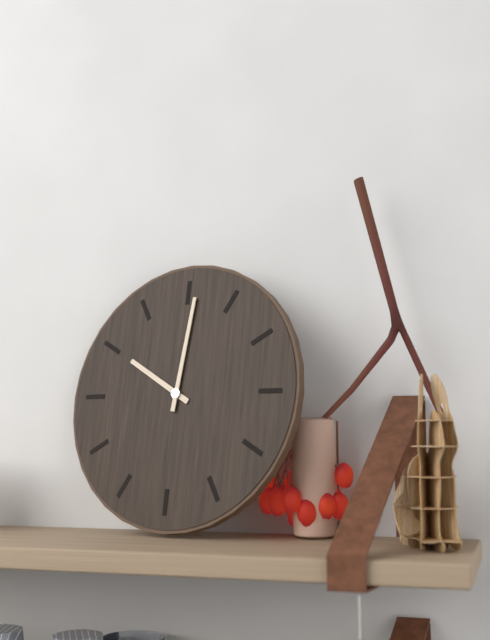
10.01
